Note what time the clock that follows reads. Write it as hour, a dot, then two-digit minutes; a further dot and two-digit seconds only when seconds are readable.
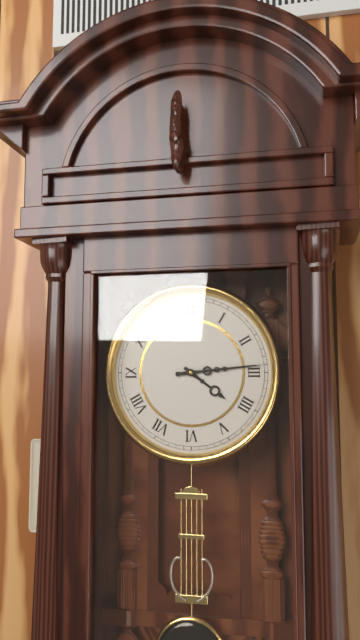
4.14
